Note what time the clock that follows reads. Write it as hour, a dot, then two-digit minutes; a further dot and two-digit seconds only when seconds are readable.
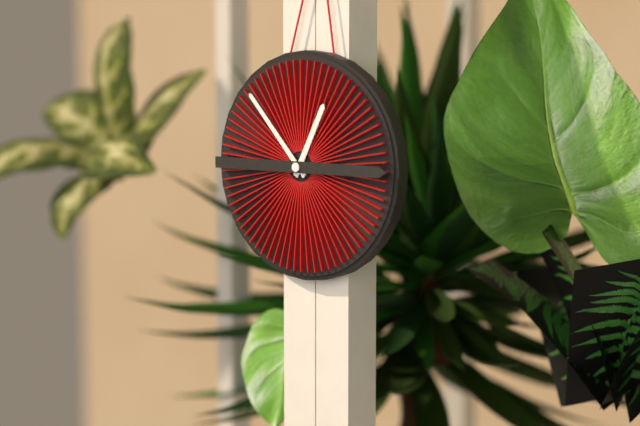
12.53.15
